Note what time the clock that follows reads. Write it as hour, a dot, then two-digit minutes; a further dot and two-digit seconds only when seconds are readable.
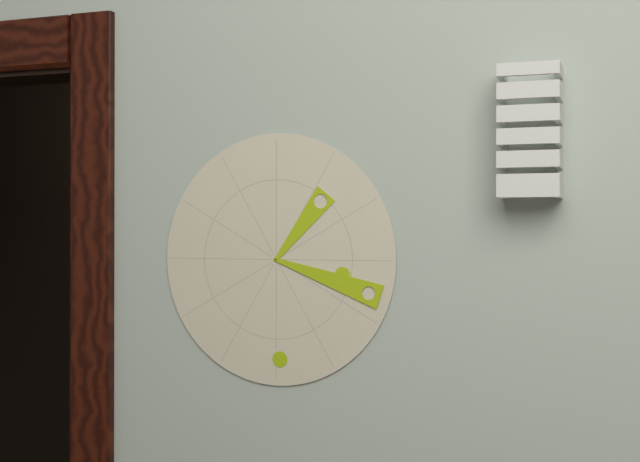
1.18
